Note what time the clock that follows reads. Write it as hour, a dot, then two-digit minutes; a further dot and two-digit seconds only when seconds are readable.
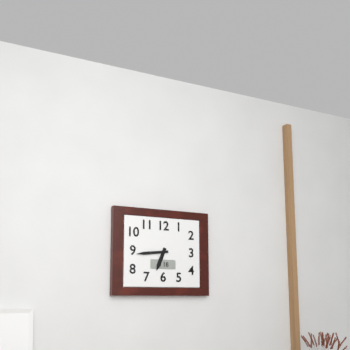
6.44
